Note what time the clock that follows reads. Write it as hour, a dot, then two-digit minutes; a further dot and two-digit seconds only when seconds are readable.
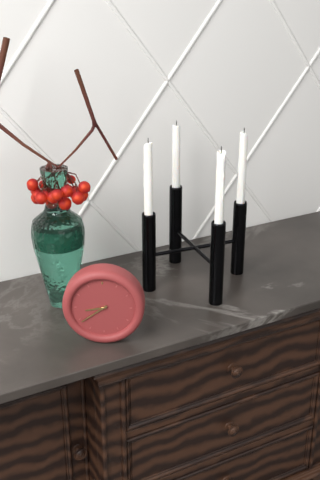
8.39
